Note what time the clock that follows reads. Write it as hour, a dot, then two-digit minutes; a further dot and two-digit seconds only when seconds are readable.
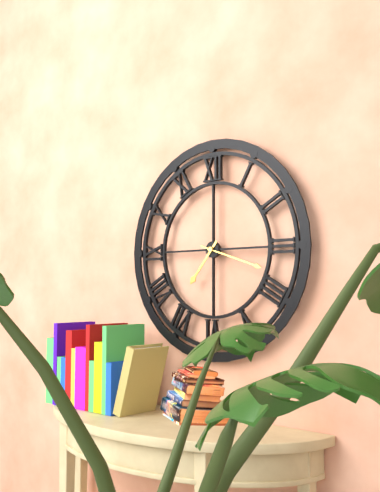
7.18
